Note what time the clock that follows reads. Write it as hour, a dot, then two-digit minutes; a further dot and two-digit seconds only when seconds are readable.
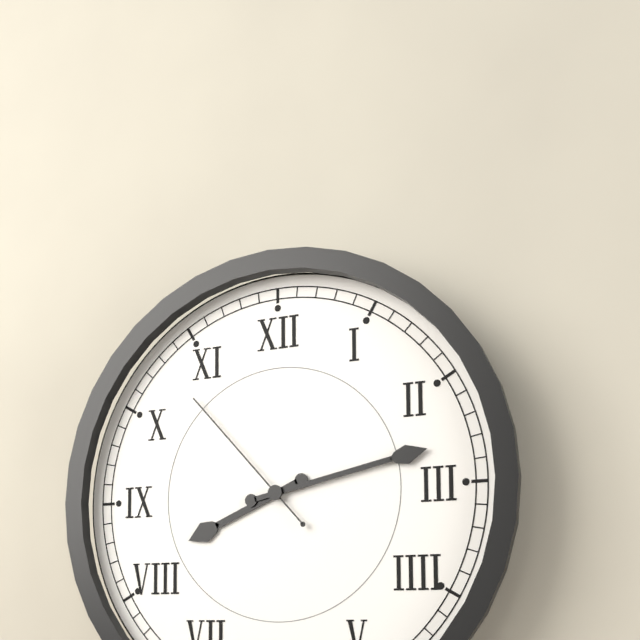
8.13.53
